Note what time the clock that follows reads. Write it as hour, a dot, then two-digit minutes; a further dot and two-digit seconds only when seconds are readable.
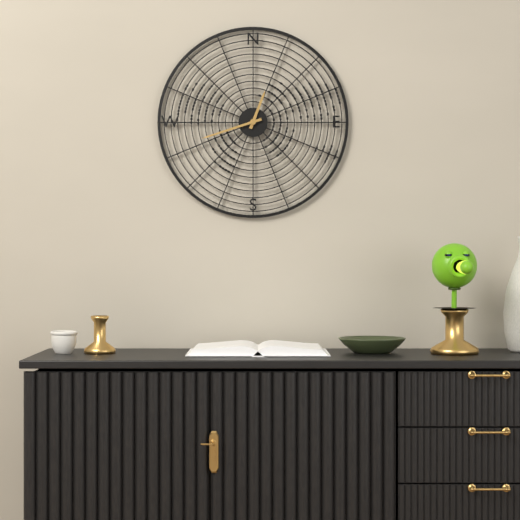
12.42
